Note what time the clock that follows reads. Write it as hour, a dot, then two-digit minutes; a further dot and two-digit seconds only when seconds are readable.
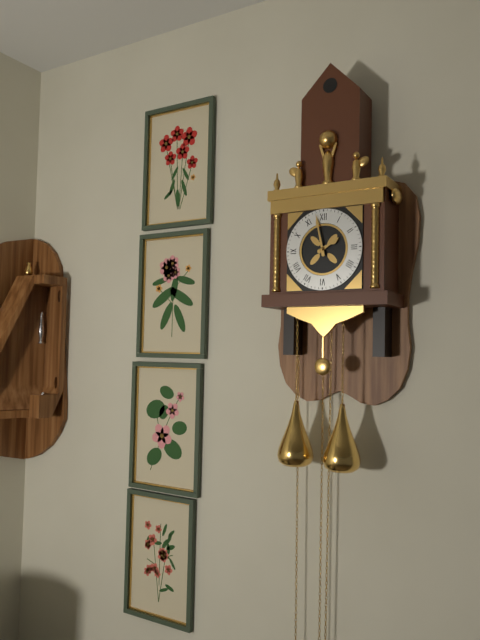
1.58
